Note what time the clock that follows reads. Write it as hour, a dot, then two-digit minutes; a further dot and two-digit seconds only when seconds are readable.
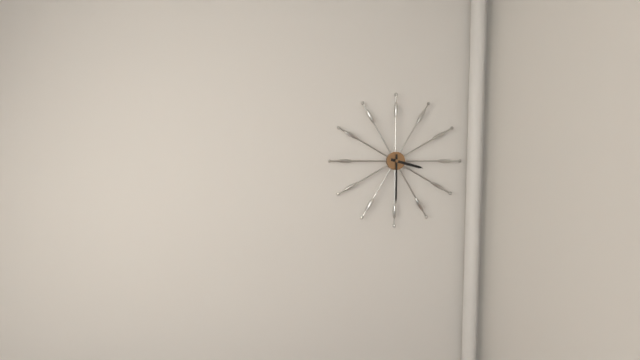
3.30
